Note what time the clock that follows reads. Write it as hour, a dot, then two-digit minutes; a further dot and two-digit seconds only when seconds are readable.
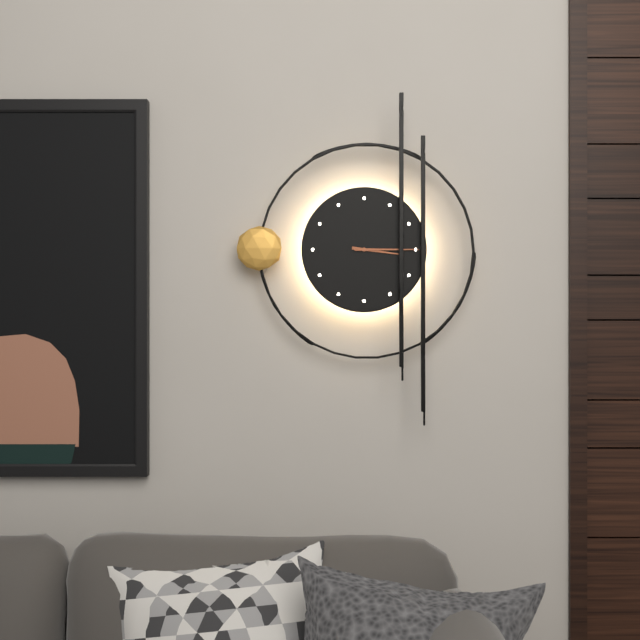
3.15
